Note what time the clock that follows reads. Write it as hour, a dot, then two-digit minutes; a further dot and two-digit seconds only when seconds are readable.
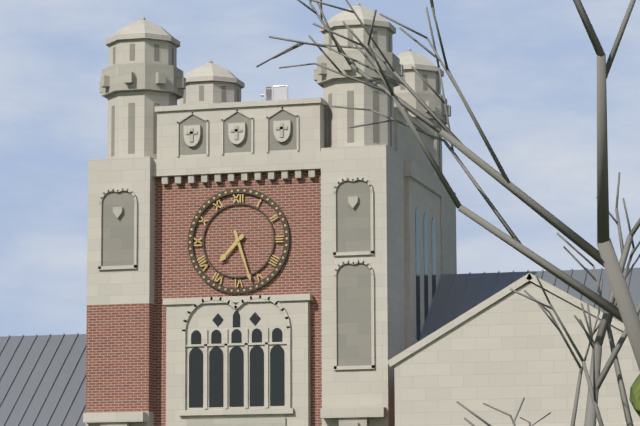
7.27
